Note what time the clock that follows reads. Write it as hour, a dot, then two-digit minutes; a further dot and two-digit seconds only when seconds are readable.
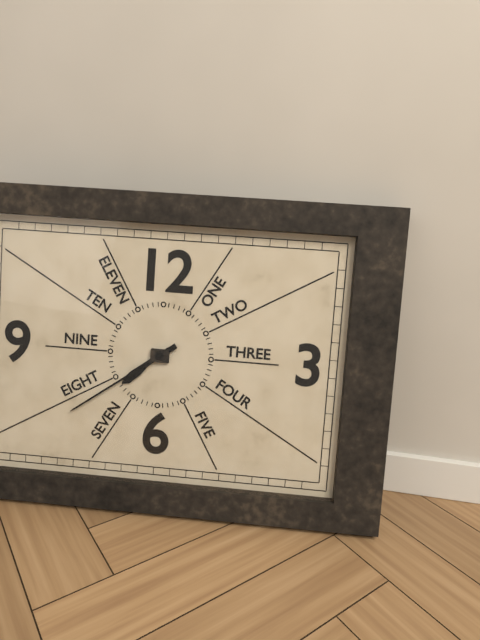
7.39
